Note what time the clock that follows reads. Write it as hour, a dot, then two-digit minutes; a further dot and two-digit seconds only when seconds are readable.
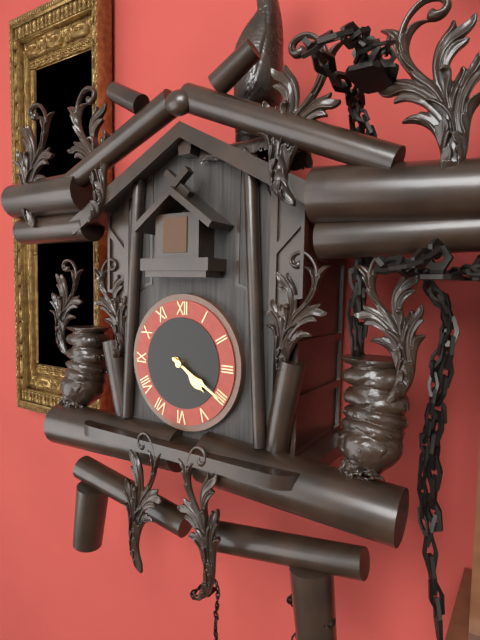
4.20
